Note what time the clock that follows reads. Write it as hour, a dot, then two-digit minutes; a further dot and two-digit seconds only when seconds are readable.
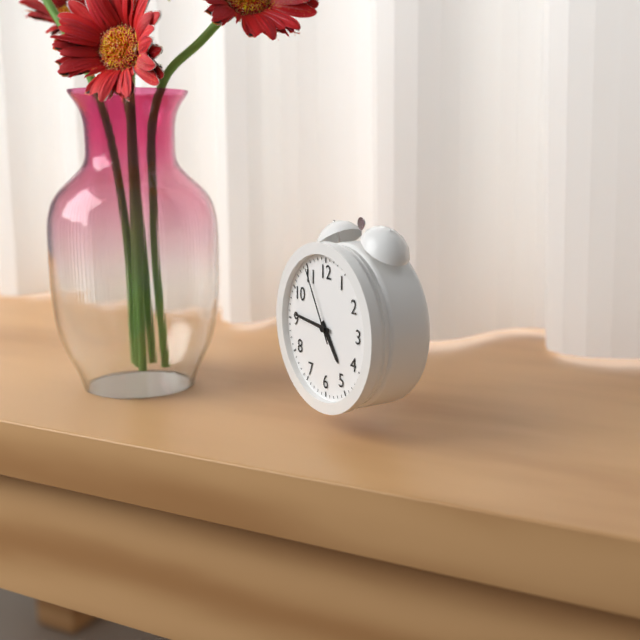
4.46.55
